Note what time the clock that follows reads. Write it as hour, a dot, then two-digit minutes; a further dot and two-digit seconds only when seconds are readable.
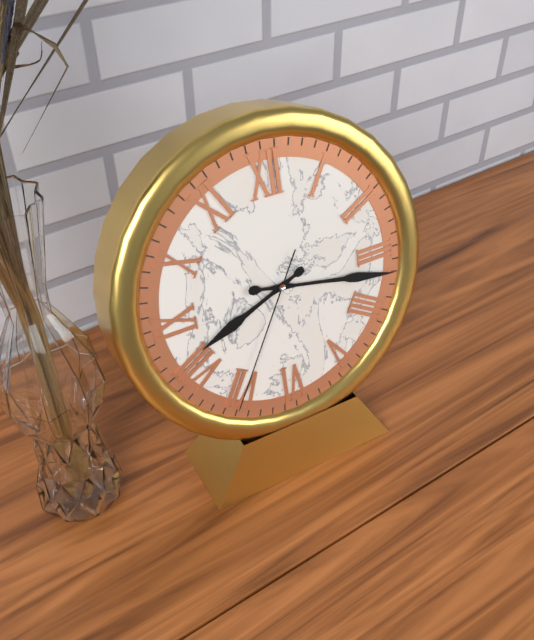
8.17.35
